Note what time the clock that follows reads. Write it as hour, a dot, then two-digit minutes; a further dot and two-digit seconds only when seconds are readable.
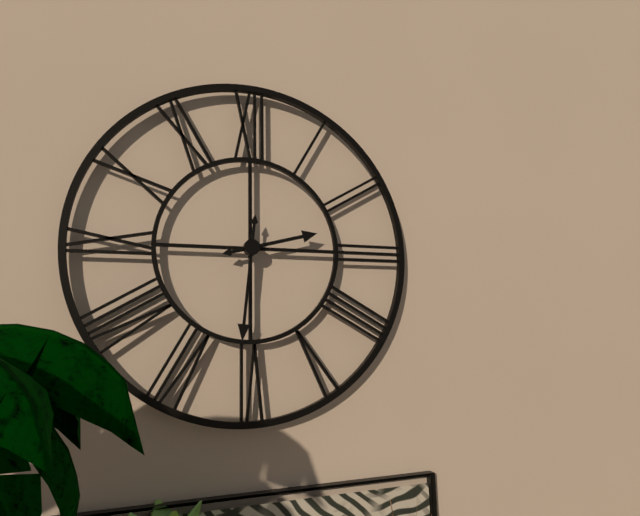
2.31
